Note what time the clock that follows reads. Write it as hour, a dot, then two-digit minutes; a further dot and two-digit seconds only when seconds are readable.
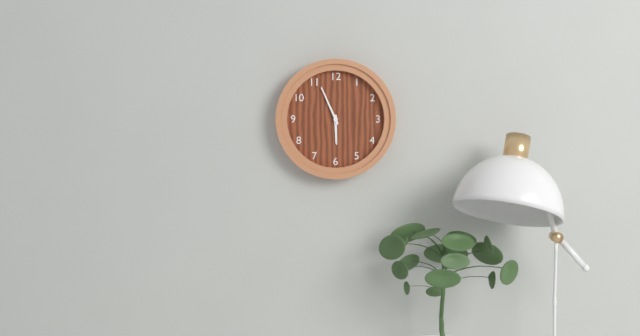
5.56
